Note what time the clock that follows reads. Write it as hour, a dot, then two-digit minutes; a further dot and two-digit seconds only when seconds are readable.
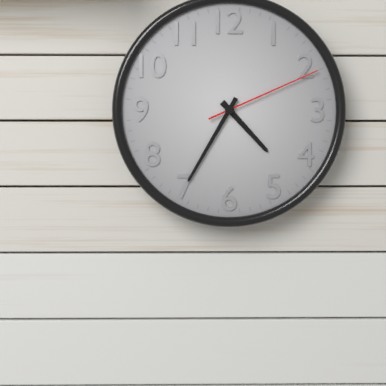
4.35.11
